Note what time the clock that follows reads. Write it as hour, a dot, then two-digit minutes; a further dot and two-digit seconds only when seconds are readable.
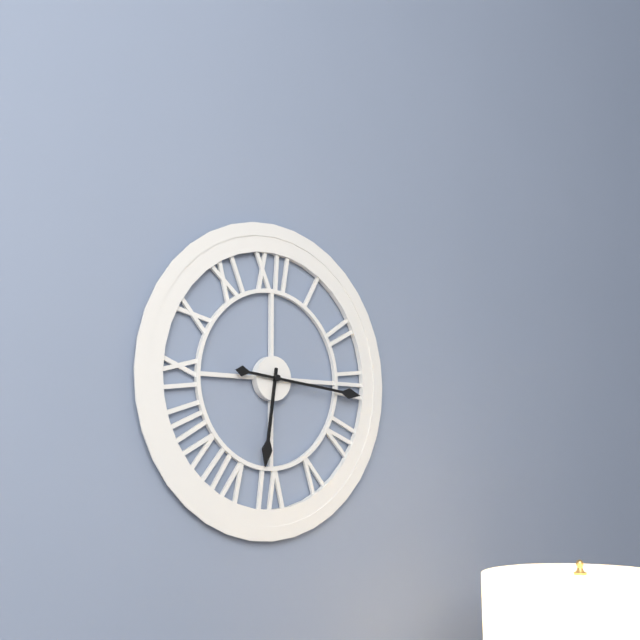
6.16
